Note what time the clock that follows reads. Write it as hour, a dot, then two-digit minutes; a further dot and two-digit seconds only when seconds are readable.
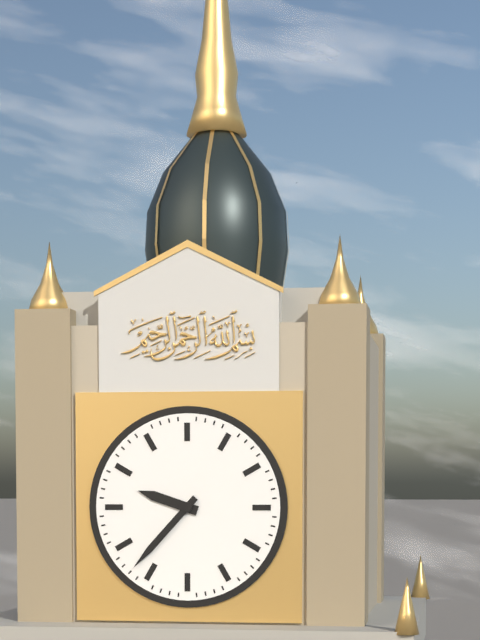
9.37
